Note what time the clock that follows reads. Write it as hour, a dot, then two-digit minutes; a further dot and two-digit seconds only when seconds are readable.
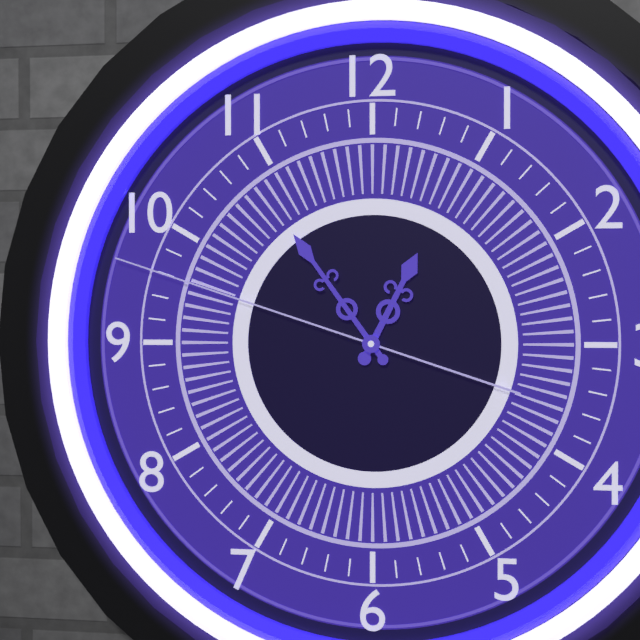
12.54.48
